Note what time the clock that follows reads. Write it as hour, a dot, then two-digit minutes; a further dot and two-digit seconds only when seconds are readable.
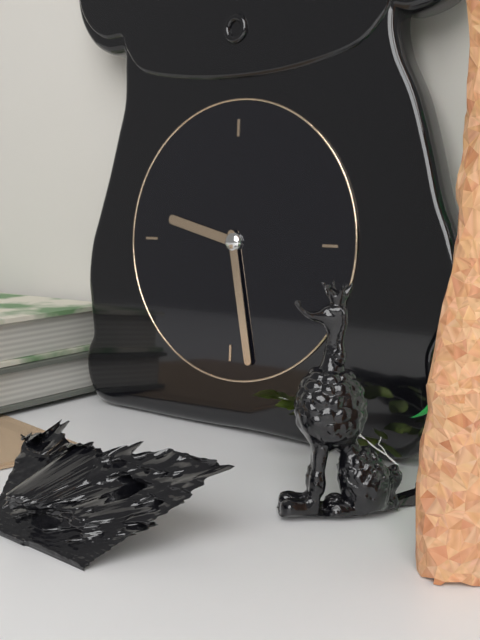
9.28
